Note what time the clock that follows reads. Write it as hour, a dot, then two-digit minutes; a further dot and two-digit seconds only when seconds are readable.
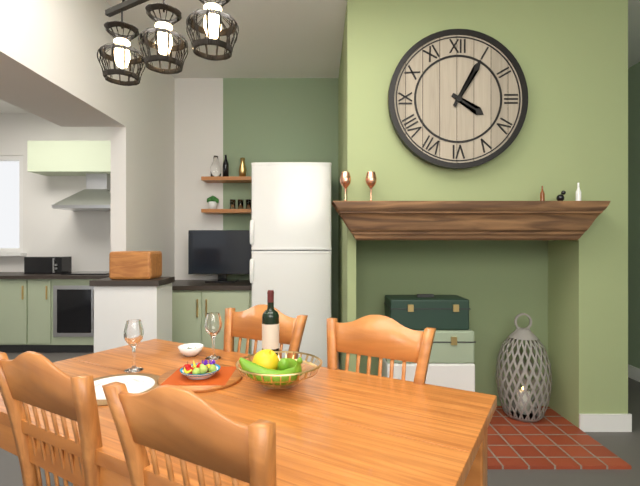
4.05
